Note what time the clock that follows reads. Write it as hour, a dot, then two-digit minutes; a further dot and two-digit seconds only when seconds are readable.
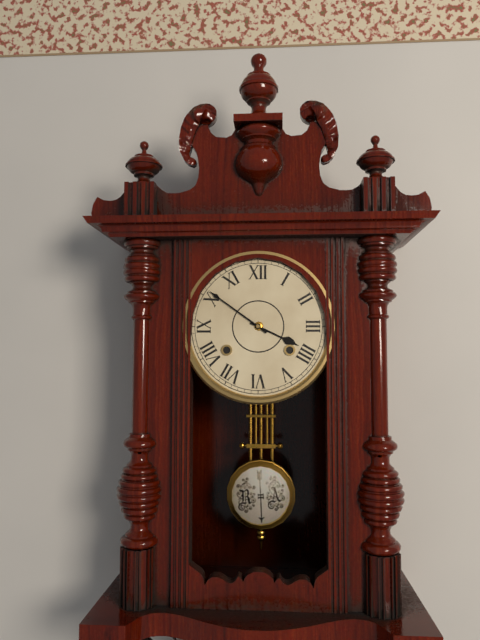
3.51
